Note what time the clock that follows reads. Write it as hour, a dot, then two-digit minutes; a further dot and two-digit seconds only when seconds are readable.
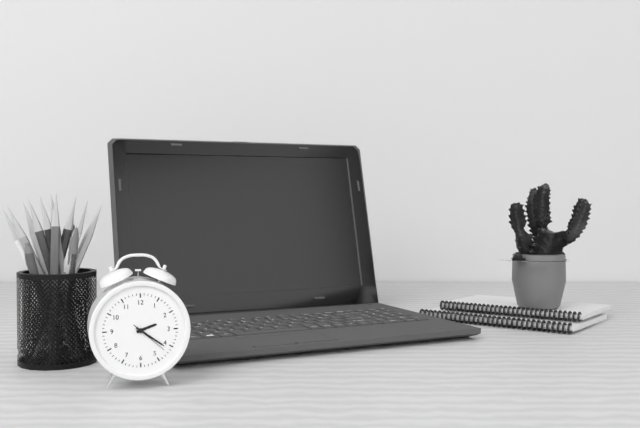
2.21
